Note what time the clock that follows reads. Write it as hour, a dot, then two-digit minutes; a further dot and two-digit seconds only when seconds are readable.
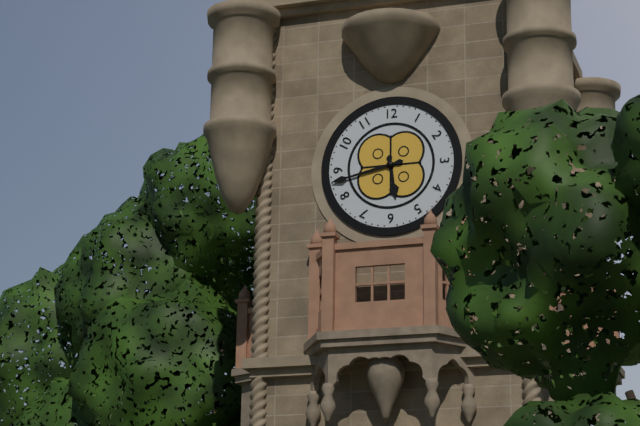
5.43
